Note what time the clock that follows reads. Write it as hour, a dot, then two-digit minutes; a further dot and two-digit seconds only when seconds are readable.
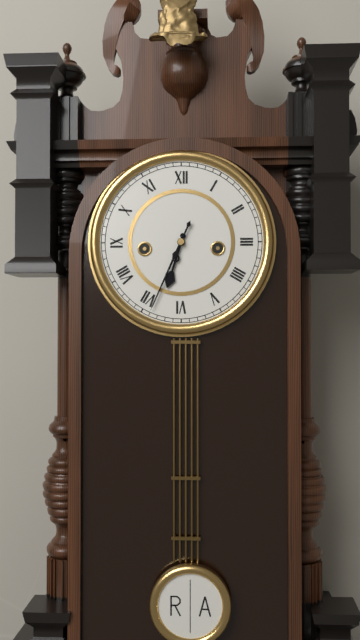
6.34
